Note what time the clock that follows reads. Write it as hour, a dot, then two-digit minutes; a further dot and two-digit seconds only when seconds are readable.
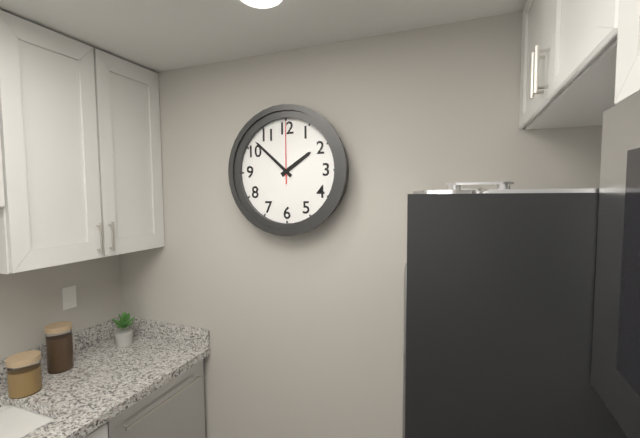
1.52.00
